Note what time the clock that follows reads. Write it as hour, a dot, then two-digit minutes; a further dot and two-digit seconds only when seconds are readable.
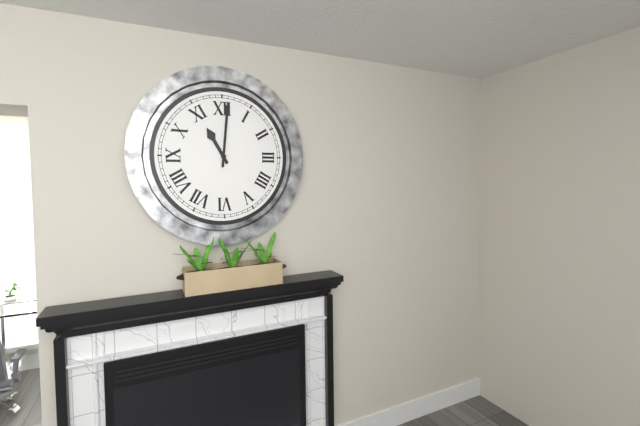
11.01
